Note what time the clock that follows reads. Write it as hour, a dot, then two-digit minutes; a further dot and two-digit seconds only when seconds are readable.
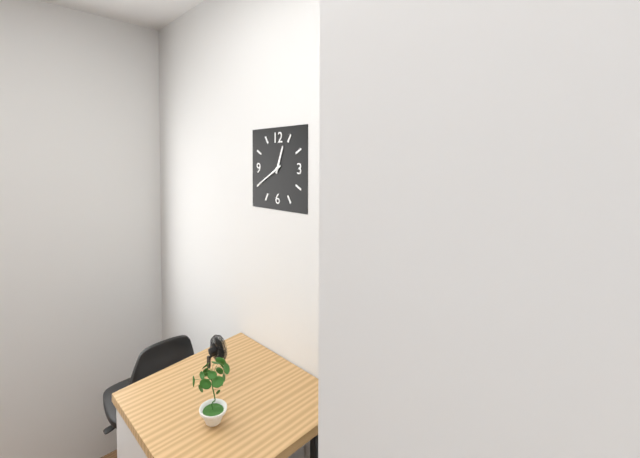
12.40
